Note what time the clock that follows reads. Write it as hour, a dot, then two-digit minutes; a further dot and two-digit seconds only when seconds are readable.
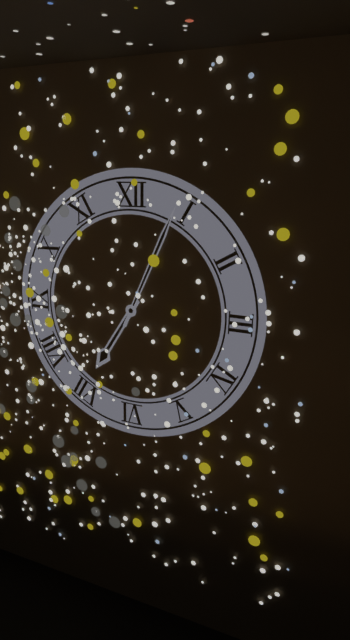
7.04
